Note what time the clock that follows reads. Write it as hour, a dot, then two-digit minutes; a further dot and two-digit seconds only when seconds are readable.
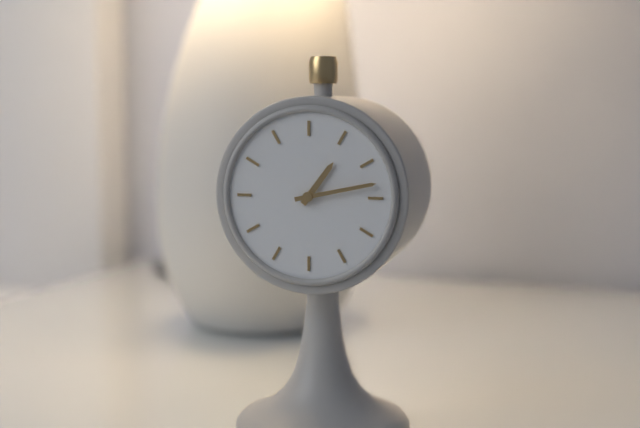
1.13
